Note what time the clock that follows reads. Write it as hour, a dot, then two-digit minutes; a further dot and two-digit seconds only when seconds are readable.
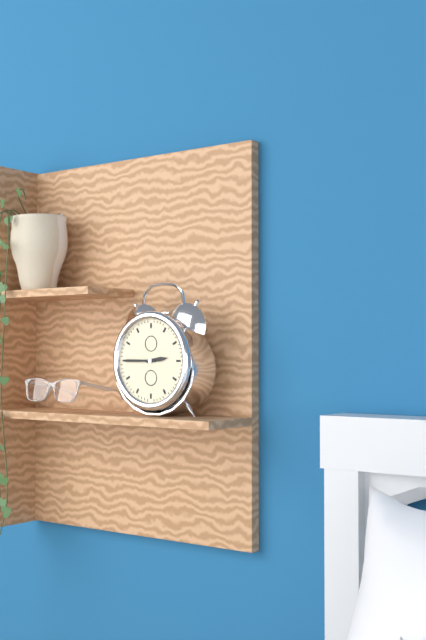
2.45
